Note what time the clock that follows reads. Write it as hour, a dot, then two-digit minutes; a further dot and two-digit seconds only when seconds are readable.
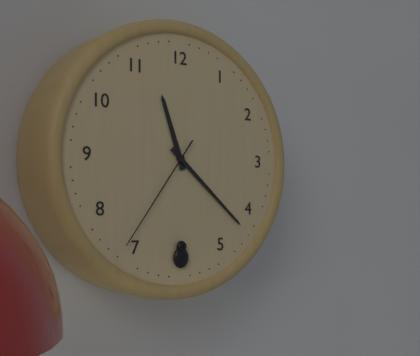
11.22.36
